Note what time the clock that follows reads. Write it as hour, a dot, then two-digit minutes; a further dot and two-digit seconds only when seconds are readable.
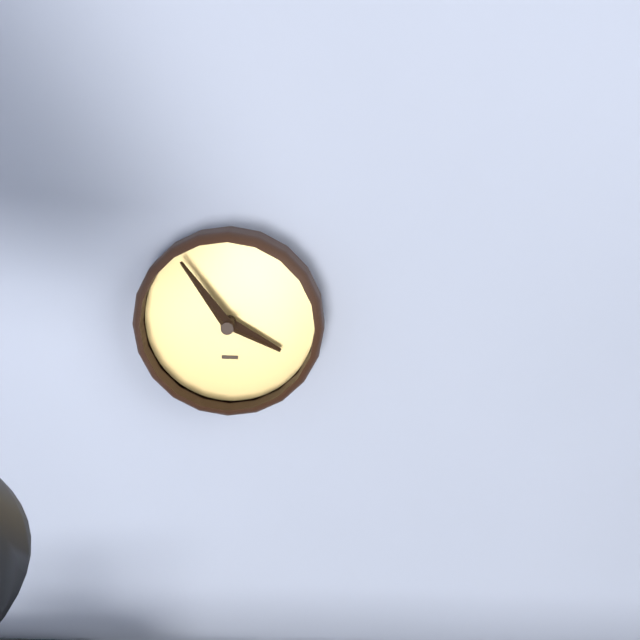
3.54
